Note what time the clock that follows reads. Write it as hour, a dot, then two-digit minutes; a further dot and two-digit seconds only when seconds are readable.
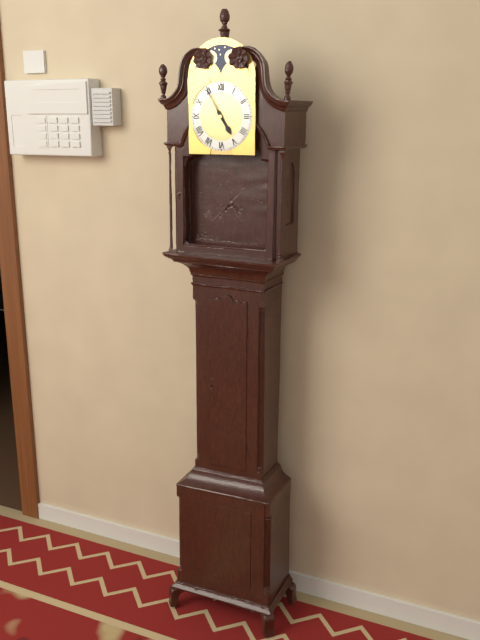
4.55
